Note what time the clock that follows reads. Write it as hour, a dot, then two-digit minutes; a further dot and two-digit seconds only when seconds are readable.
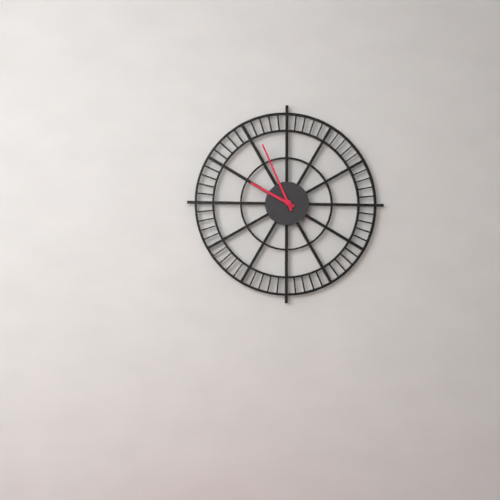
9.56
